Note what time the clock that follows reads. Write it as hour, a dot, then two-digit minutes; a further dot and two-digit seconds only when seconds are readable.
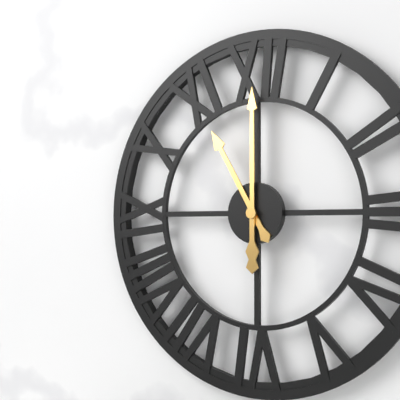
11.00
